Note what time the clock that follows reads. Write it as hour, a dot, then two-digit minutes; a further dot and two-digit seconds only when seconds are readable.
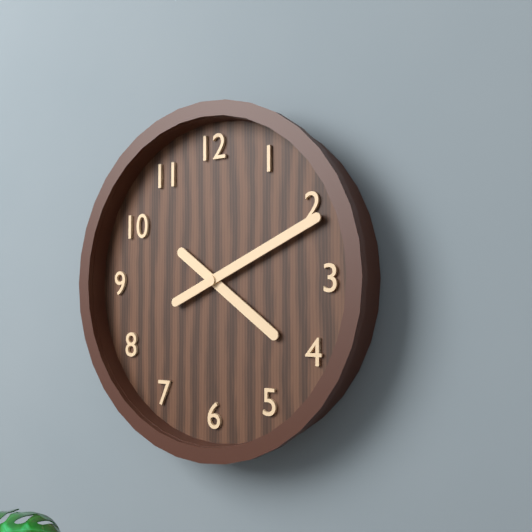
4.11
